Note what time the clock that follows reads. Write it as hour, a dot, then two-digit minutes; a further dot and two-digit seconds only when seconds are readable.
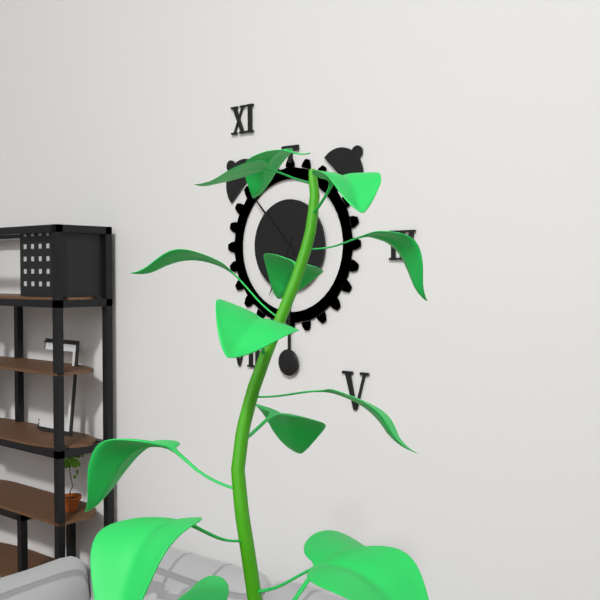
6.53
